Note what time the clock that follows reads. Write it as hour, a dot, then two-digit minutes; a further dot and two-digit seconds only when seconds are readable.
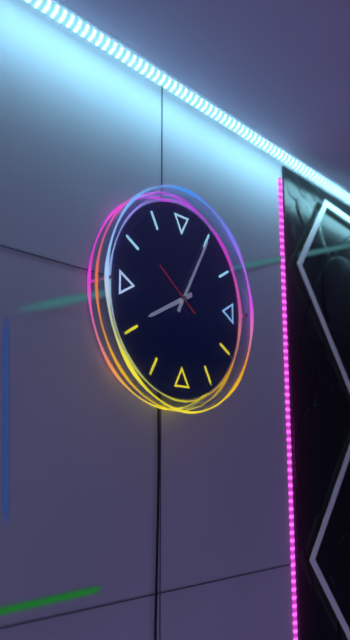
8.05.51
